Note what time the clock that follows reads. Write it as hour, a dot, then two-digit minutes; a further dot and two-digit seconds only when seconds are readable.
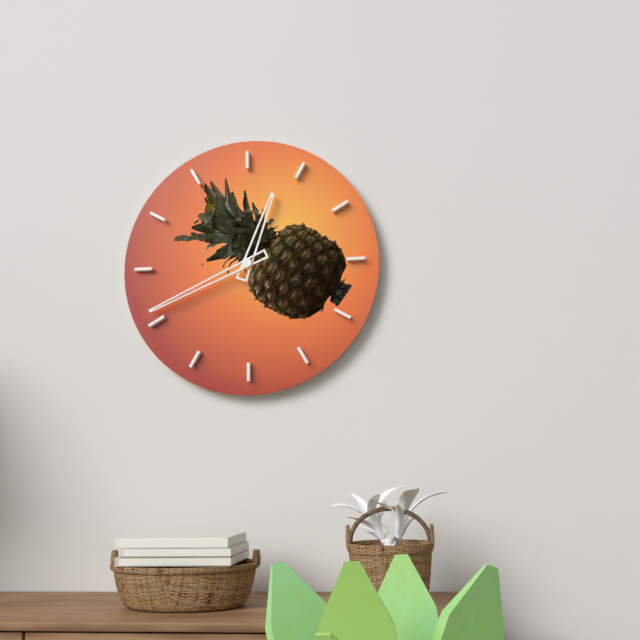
12.41
